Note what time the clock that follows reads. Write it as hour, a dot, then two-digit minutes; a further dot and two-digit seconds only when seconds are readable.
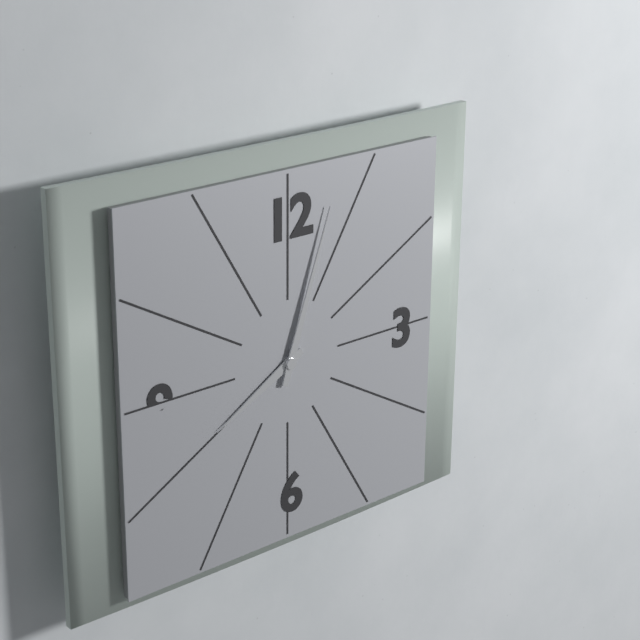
8.03
